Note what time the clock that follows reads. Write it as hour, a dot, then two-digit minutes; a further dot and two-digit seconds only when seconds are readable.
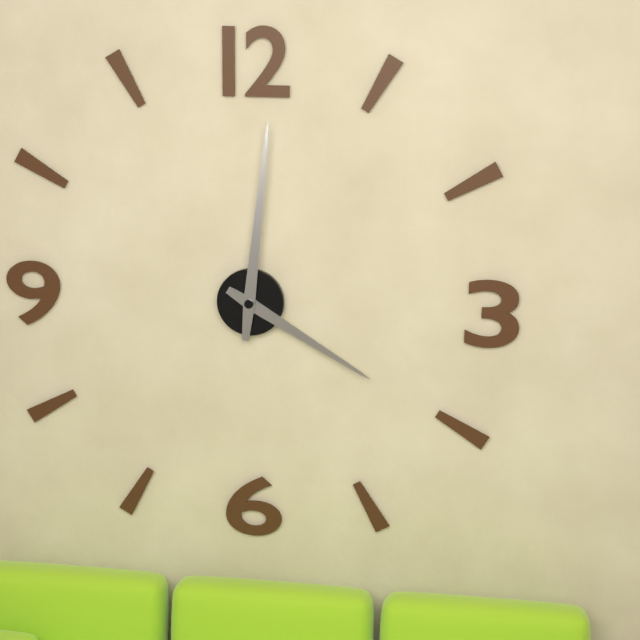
4.01
